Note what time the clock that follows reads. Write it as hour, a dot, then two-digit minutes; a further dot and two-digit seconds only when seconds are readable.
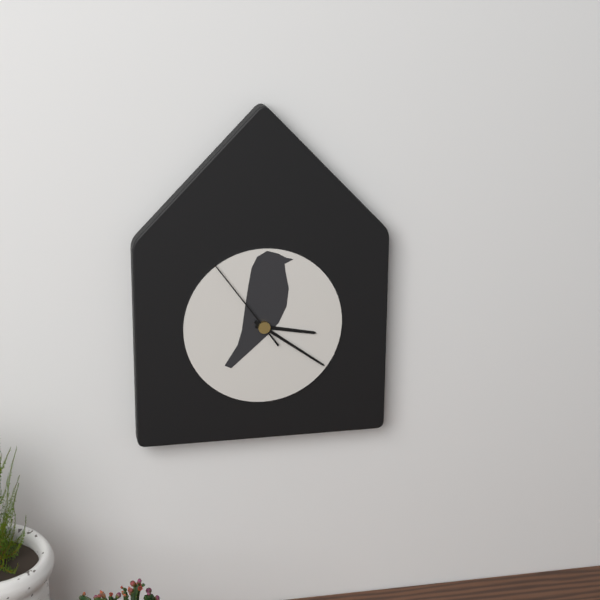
3.21.54
